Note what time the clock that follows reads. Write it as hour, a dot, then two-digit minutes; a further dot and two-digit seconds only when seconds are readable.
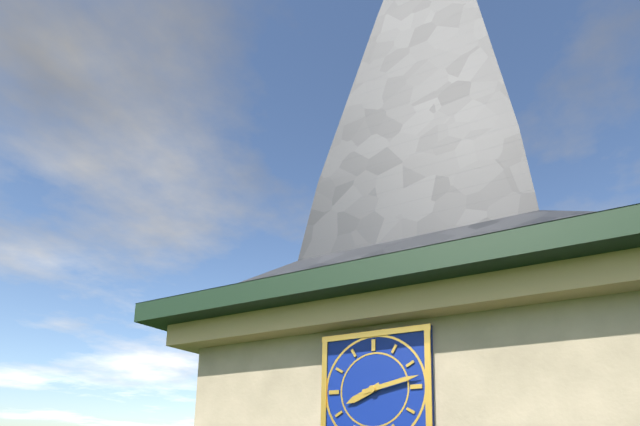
8.13
